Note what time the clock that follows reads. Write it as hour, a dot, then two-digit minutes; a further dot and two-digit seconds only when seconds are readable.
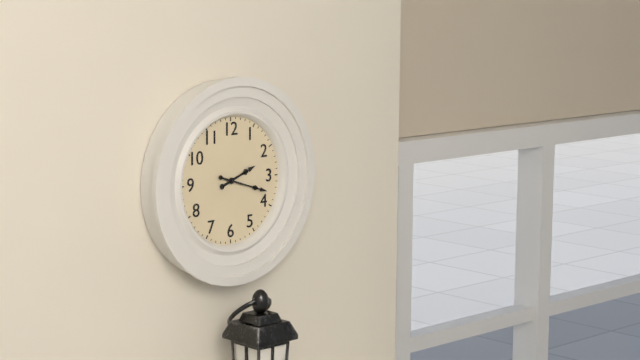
2.18
